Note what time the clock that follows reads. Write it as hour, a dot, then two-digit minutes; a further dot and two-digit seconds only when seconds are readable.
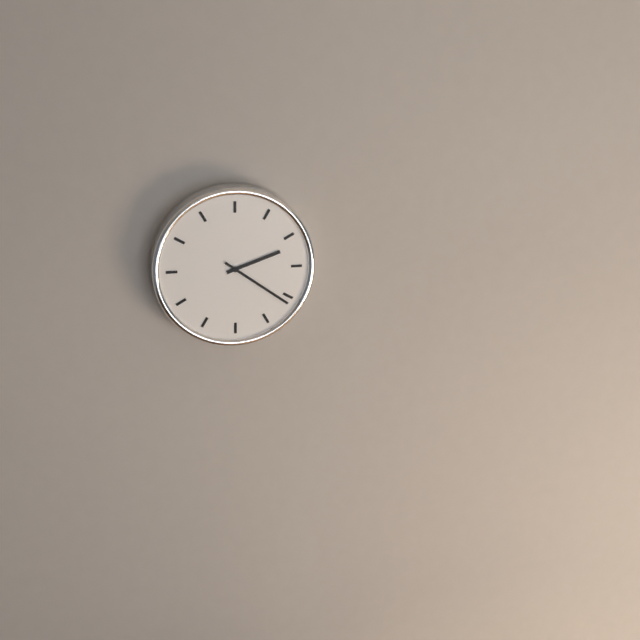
2.21
